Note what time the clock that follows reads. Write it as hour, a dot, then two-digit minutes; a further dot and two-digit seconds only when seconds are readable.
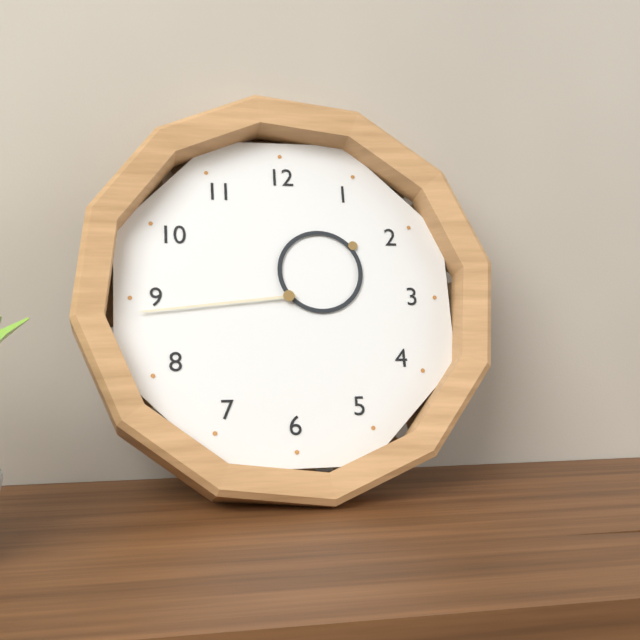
1.44
